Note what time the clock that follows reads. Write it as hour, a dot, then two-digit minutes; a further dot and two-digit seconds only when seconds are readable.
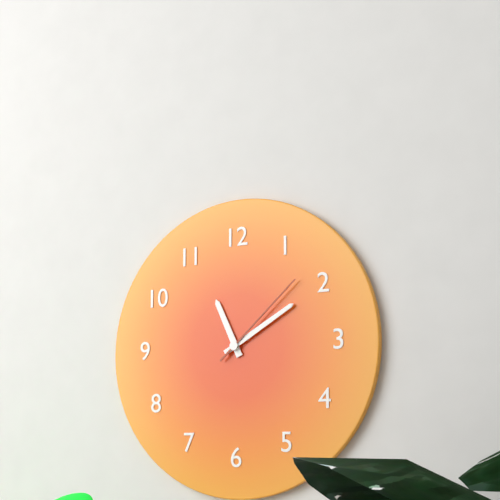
11.10.08
